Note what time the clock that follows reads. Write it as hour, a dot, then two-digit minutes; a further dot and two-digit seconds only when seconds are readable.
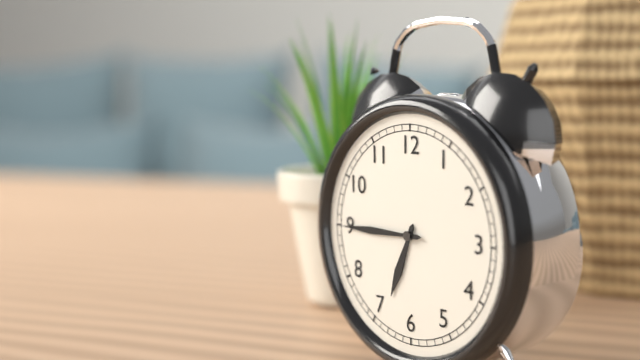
6.45
